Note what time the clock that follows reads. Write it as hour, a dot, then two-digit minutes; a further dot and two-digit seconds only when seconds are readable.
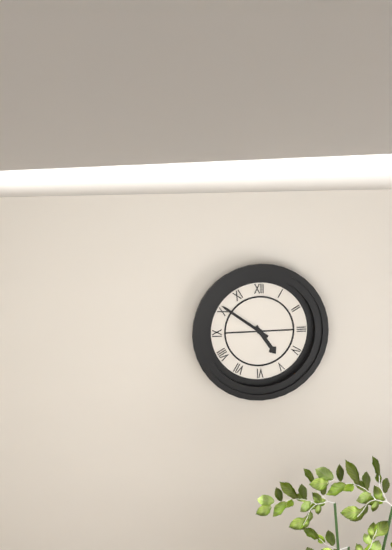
4.51
